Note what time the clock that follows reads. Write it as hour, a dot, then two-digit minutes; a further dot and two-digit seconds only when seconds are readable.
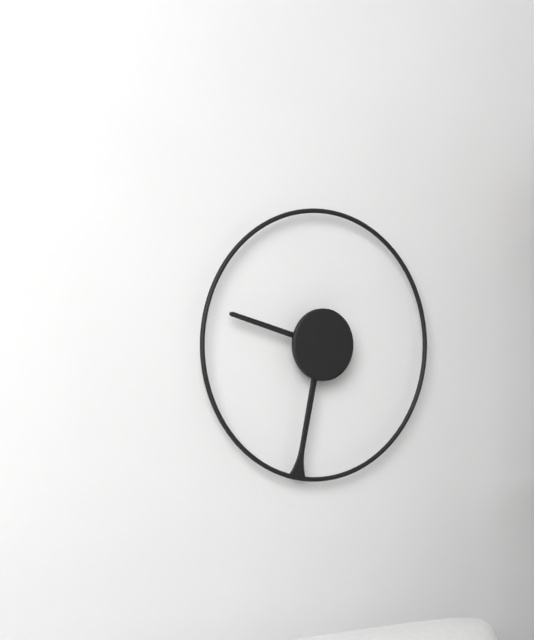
9.32
